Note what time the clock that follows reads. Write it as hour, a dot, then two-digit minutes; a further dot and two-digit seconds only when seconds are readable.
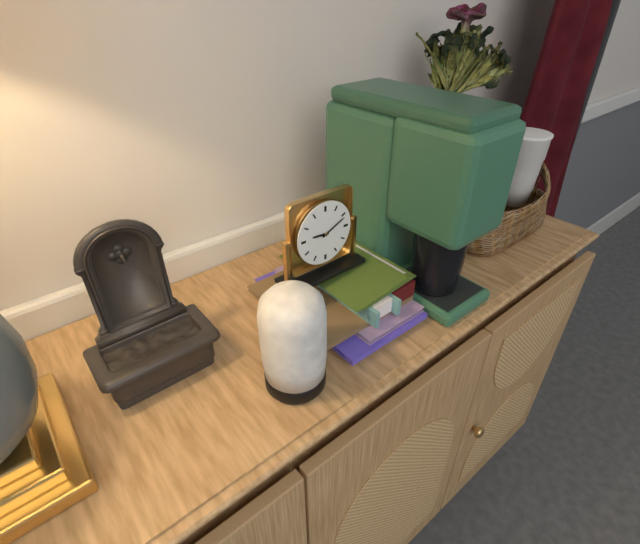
9.11
